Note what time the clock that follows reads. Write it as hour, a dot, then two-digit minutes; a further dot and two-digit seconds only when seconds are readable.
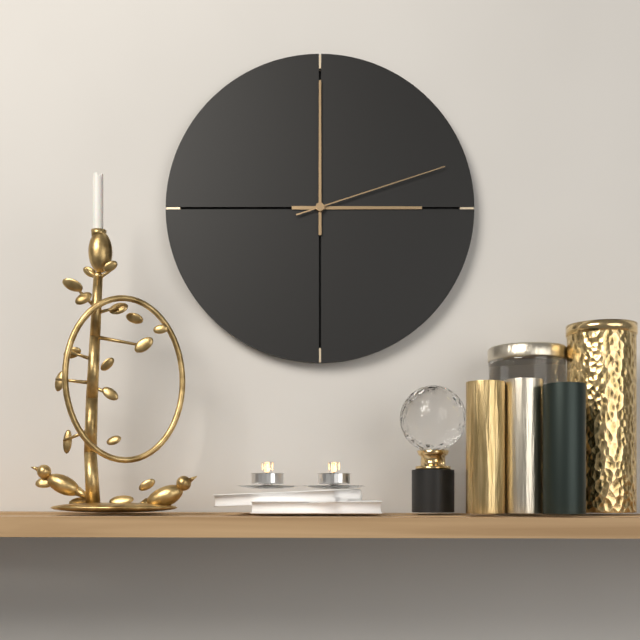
3.00.12
